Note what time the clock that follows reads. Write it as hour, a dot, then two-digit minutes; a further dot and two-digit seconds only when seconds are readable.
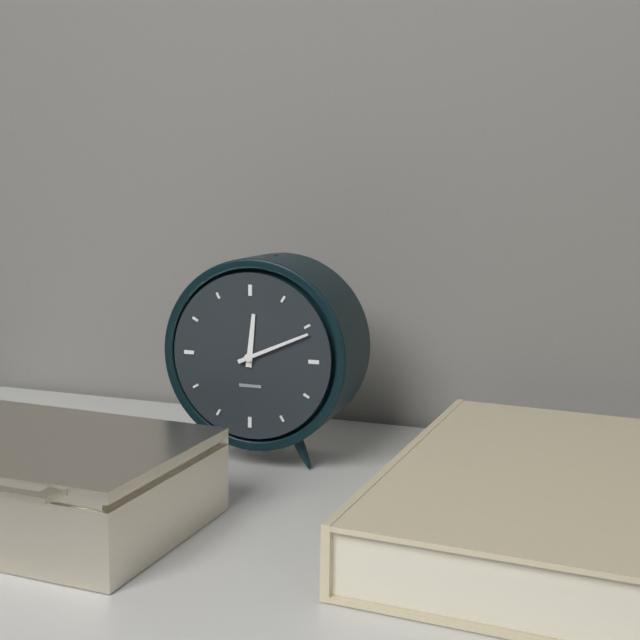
12.11
